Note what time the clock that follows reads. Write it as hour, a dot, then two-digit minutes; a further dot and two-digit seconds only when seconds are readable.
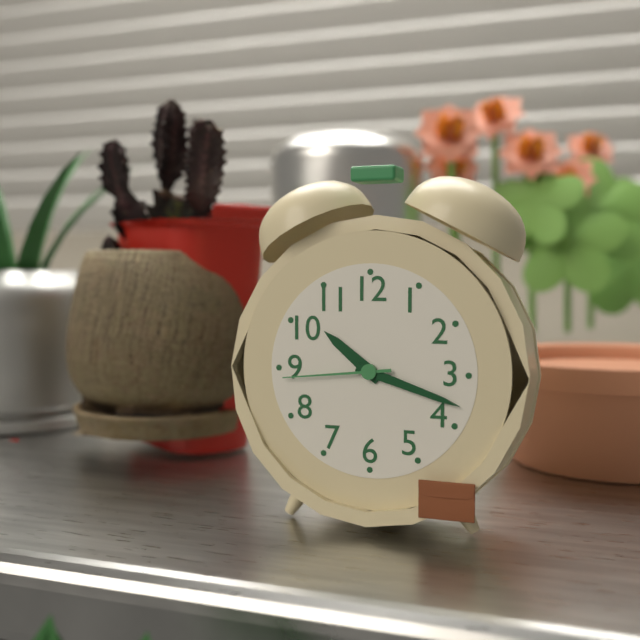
10.18.44
